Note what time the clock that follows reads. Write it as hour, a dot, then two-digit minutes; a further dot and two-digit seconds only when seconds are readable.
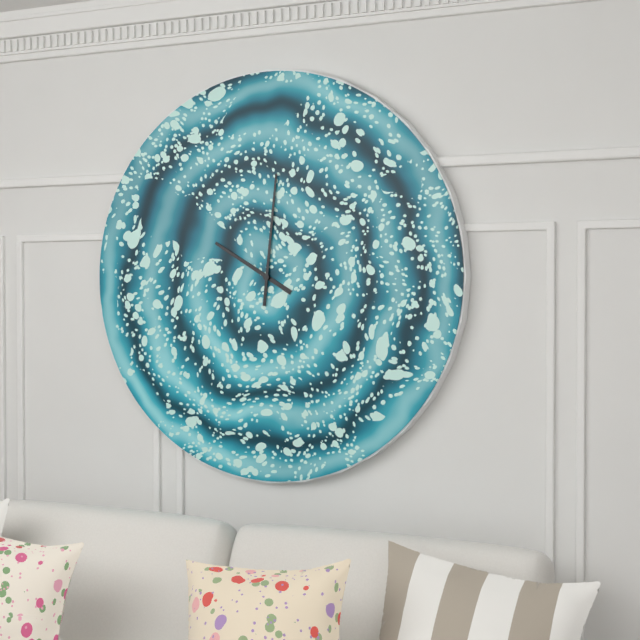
10.01
